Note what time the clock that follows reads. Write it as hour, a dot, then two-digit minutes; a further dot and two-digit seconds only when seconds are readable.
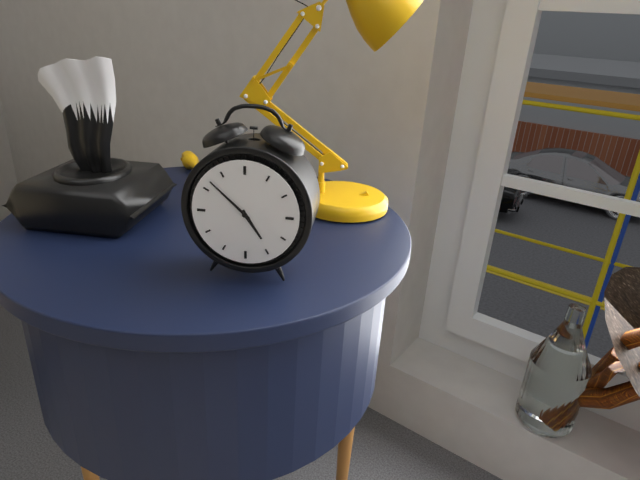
4.52
